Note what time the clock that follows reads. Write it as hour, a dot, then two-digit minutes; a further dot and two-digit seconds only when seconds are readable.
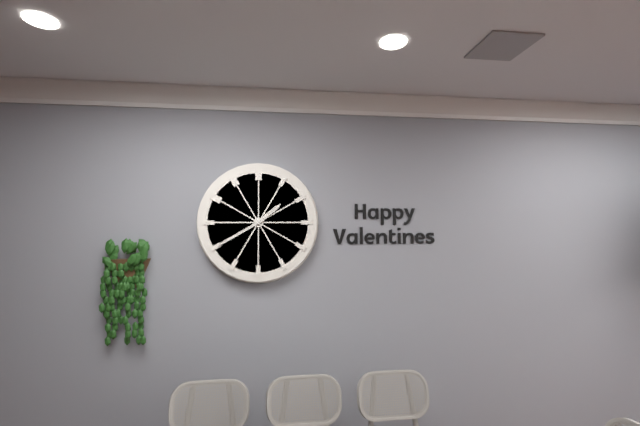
1.40
